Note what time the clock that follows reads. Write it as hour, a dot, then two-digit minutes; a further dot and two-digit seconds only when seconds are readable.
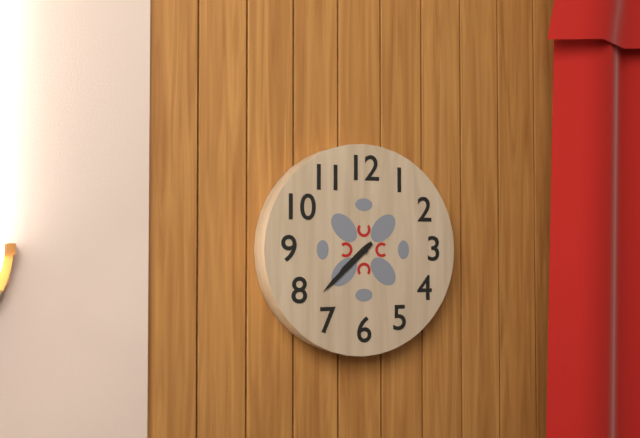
7.38
